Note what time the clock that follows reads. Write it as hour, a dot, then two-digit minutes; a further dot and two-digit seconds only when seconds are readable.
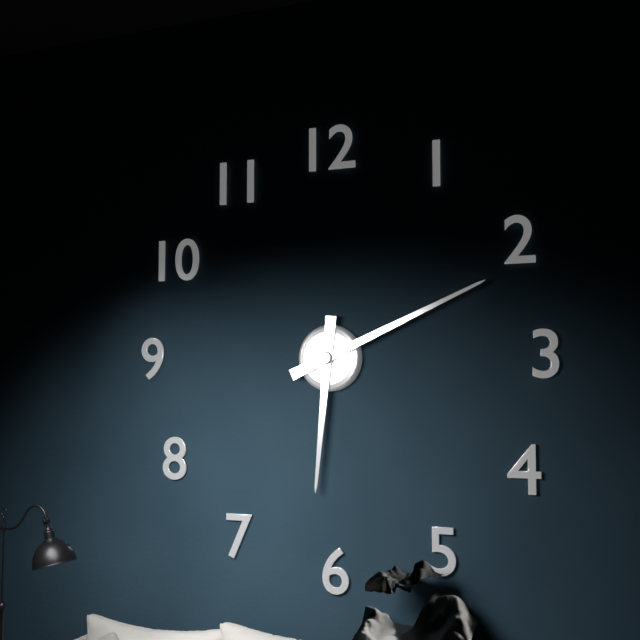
6.11
